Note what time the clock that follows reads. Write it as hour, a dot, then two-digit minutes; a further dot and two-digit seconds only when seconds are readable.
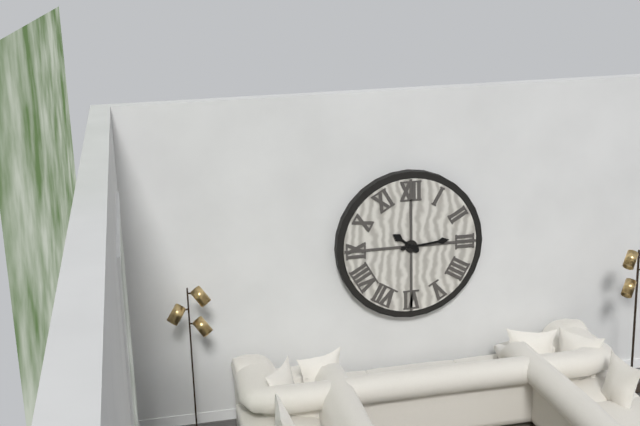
10.14
